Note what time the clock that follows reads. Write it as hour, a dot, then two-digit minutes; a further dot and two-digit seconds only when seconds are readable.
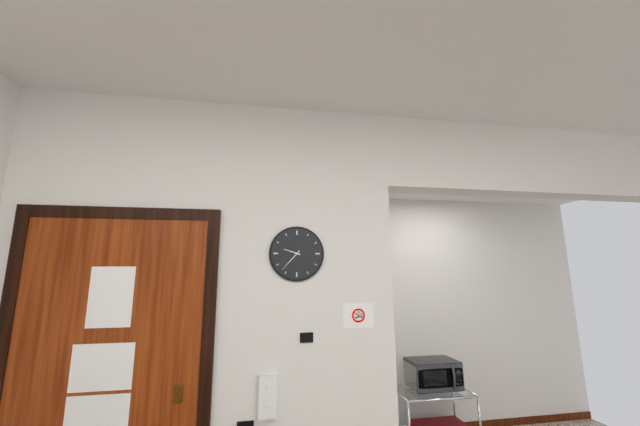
9.37
